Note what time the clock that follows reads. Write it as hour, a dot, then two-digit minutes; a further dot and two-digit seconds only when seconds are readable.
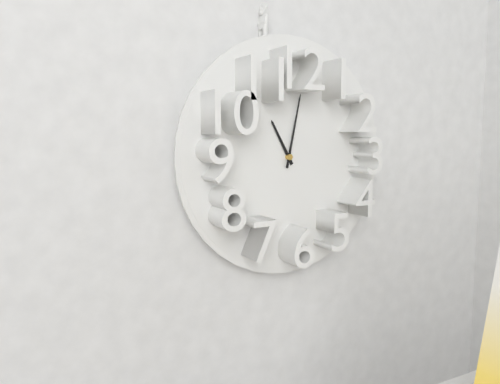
11.02
